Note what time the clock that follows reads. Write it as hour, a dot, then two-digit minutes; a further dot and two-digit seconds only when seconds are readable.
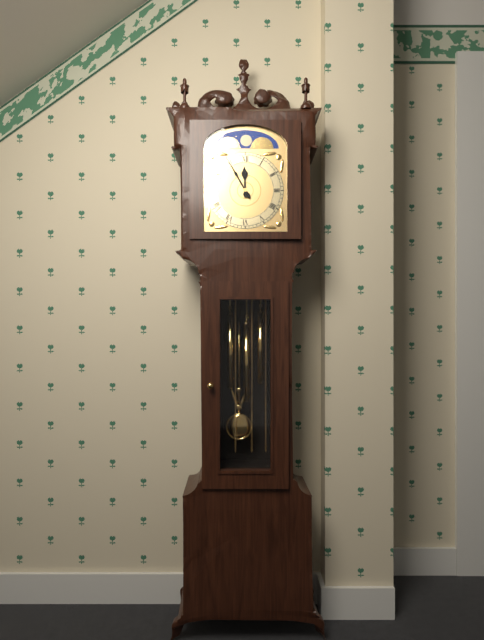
11.55
